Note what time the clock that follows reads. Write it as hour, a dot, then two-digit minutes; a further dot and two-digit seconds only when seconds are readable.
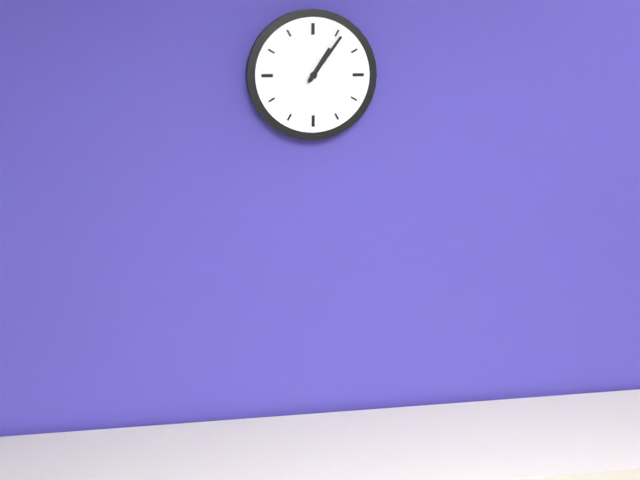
1.06
